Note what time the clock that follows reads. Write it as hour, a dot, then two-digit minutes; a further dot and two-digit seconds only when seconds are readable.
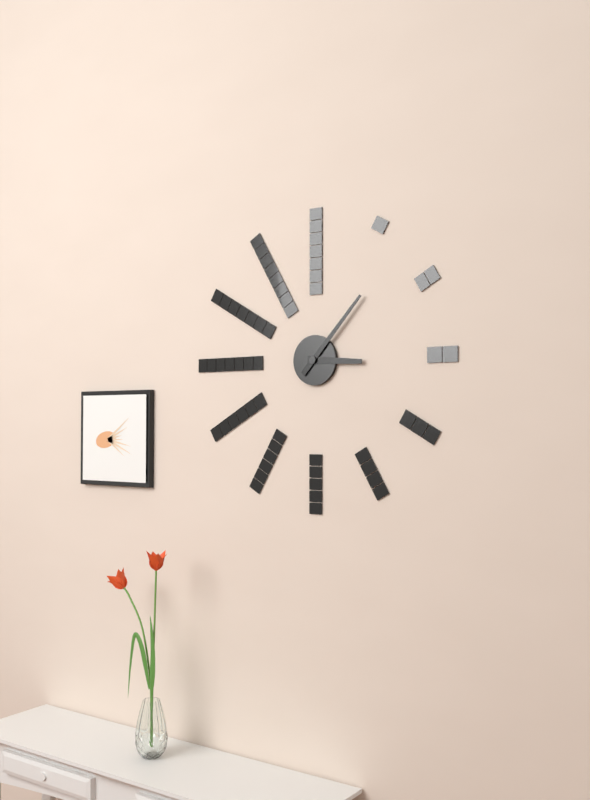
3.07
